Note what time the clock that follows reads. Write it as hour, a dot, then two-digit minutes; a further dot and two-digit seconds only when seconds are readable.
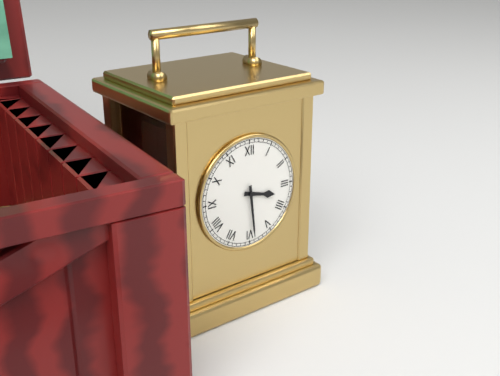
3.29
